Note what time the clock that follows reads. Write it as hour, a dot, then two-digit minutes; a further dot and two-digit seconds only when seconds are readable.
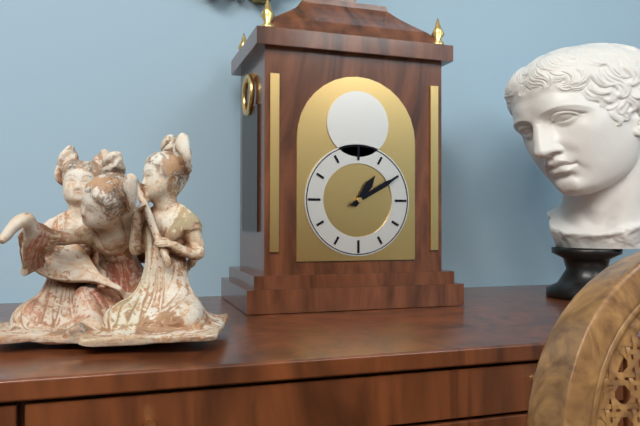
1.10
